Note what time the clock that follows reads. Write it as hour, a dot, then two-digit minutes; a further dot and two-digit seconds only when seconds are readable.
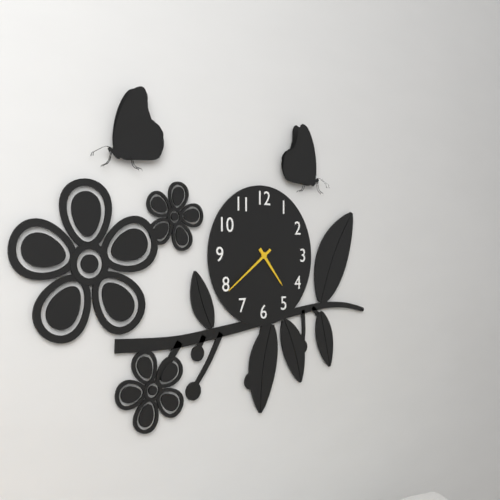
4.39
